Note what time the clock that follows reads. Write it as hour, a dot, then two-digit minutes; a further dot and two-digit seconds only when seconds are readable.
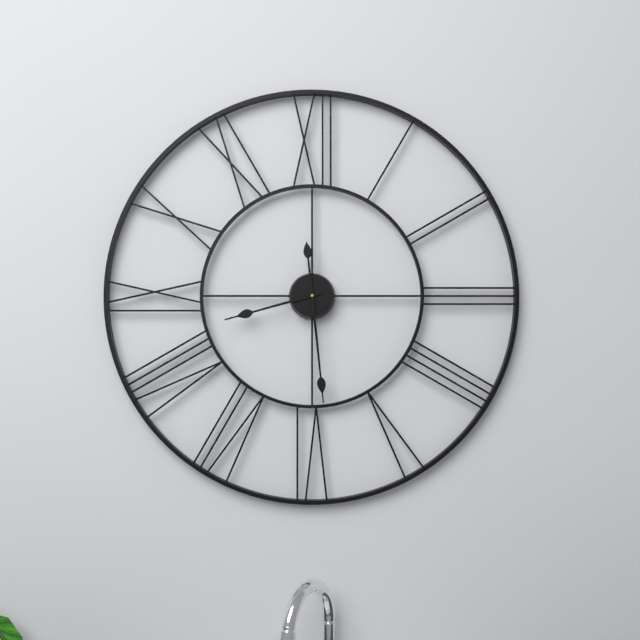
8.29
